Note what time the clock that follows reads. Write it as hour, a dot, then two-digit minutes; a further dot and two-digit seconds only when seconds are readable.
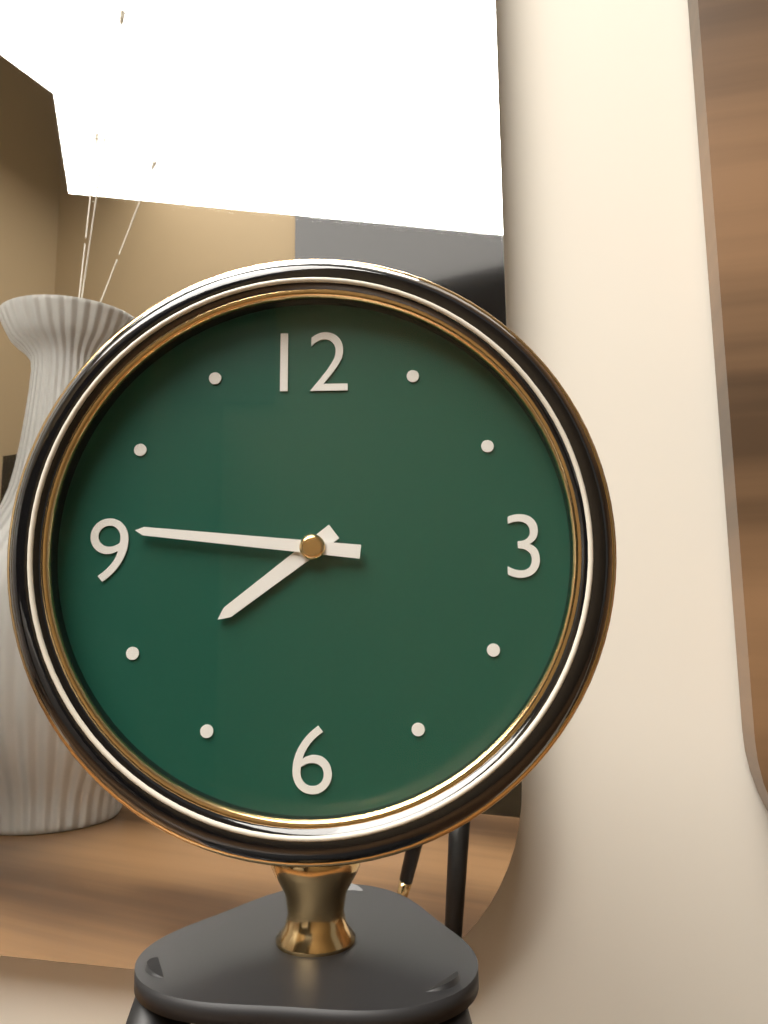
7.46
